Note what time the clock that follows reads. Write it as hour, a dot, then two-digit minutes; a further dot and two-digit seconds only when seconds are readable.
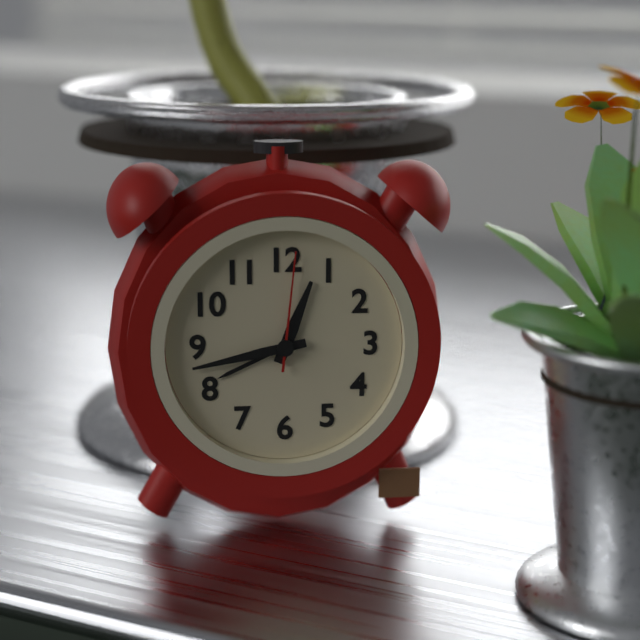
12.43.01
